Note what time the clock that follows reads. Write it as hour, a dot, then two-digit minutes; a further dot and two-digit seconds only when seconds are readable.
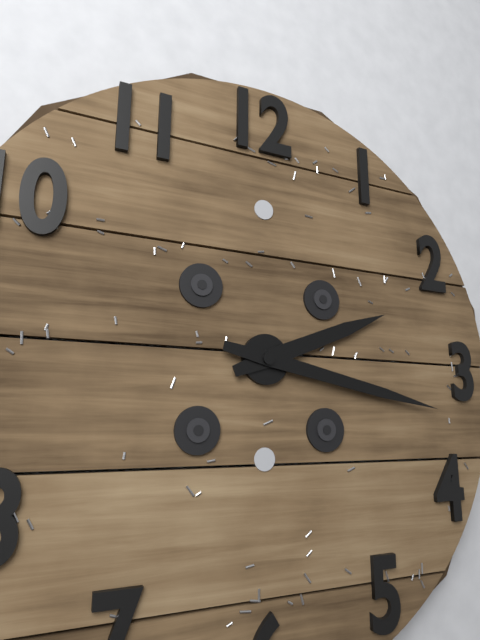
2.17
